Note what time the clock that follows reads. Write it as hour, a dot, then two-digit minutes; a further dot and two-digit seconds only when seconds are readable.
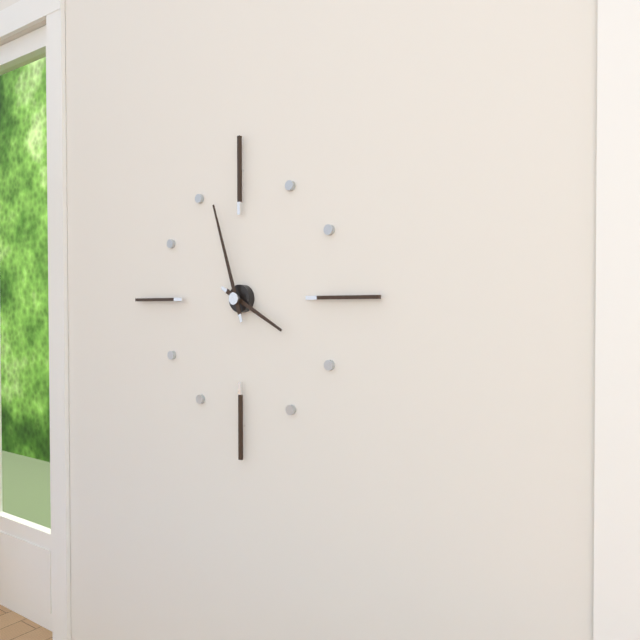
3.57
